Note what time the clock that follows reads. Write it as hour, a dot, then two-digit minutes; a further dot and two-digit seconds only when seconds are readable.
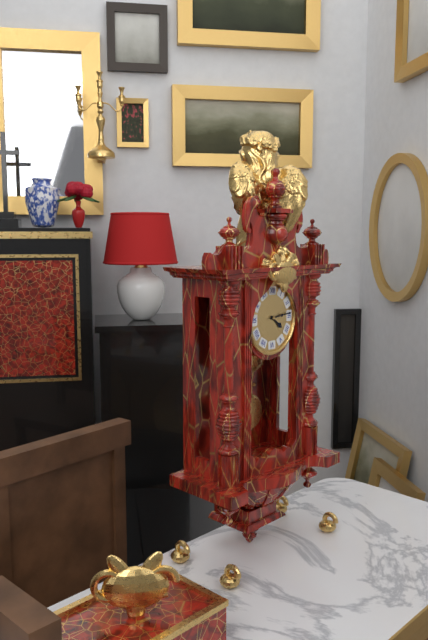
4.14
